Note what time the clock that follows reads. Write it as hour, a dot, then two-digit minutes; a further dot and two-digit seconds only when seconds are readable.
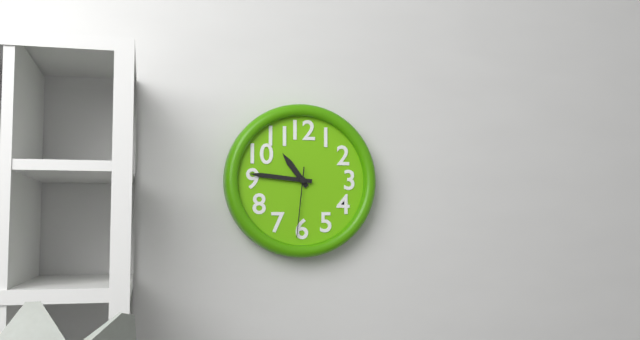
10.46.31
